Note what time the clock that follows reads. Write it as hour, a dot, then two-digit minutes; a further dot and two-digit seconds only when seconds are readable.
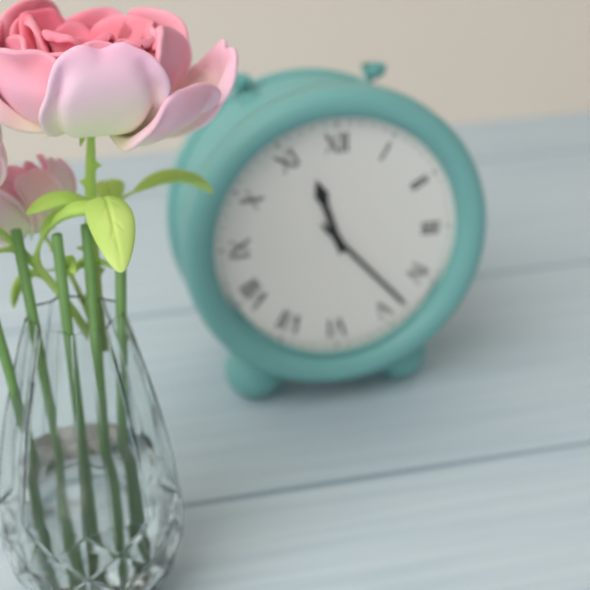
11.23
